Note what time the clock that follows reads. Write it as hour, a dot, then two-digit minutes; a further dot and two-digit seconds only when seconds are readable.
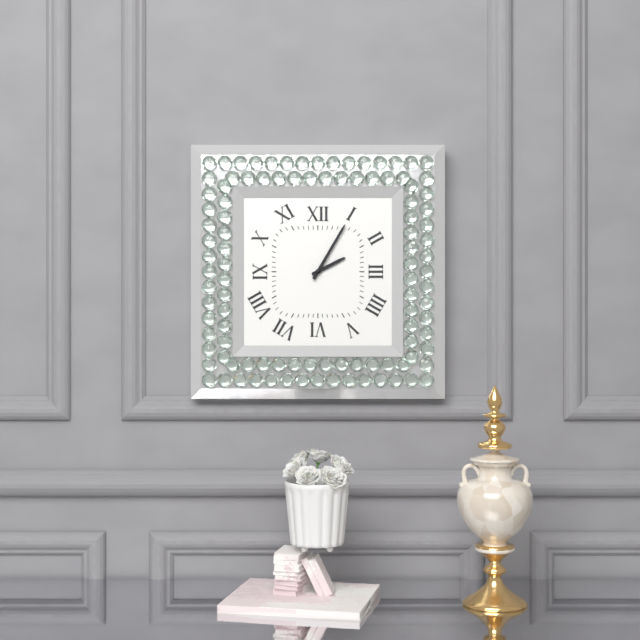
2.05
